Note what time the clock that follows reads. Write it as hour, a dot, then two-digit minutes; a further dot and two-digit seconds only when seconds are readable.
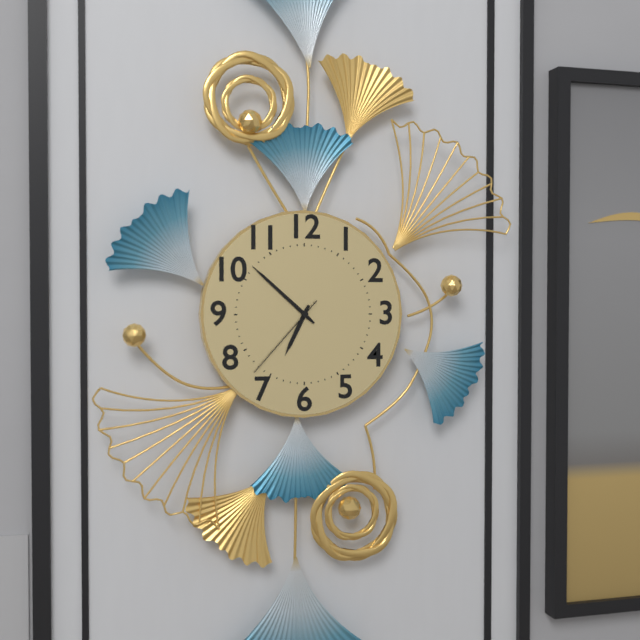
6.52.37
